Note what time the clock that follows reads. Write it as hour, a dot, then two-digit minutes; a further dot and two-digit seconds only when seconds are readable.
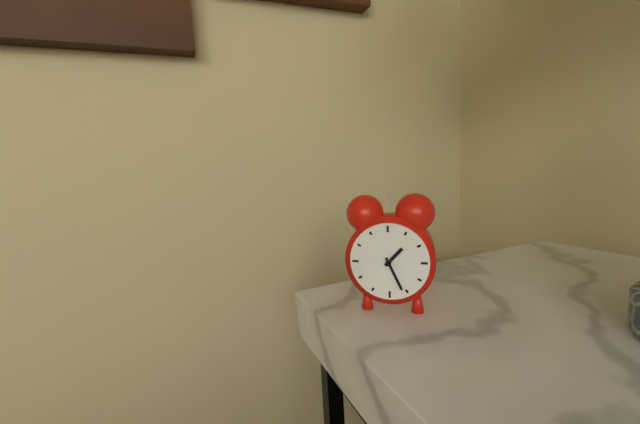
1.26
